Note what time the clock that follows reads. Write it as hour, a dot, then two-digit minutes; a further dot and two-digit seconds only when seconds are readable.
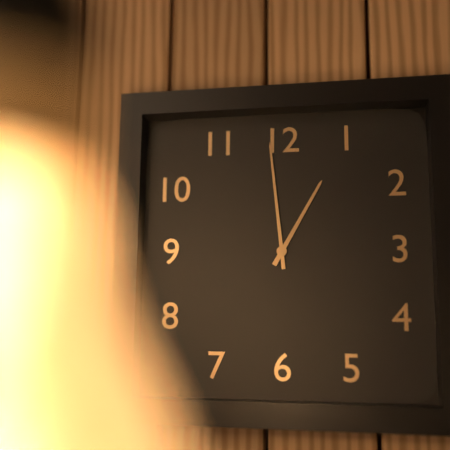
12.59
